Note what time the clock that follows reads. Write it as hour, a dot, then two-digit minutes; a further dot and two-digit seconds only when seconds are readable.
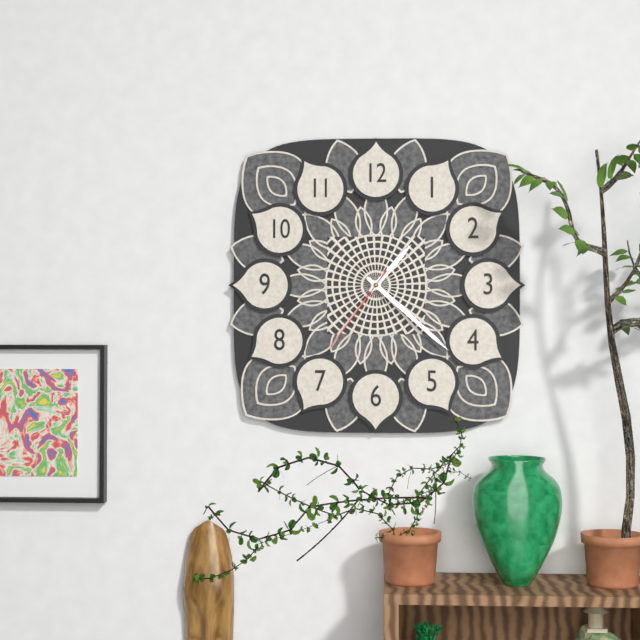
1.22.36
